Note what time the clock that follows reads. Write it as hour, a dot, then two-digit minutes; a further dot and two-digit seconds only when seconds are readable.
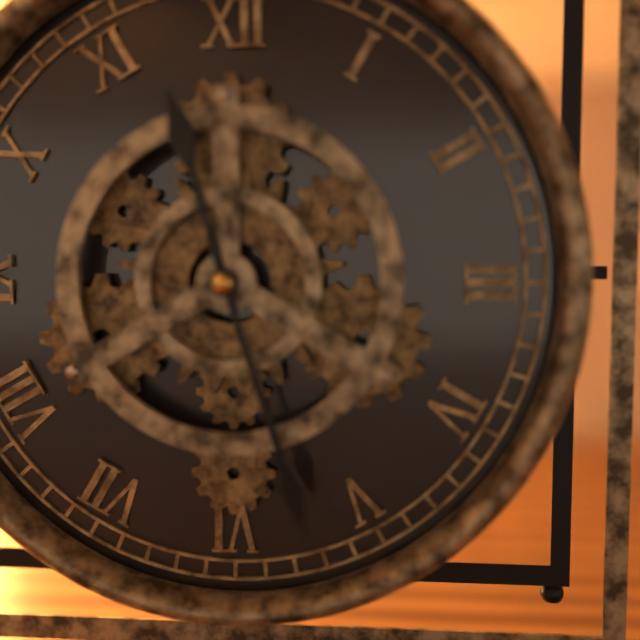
11.27
